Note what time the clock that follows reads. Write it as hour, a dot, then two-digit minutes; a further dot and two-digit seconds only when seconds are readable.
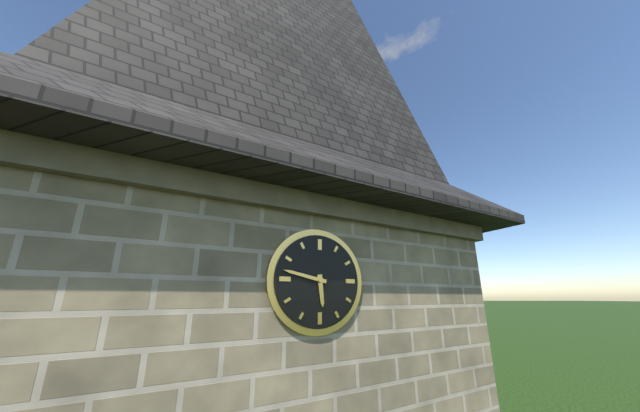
5.47
